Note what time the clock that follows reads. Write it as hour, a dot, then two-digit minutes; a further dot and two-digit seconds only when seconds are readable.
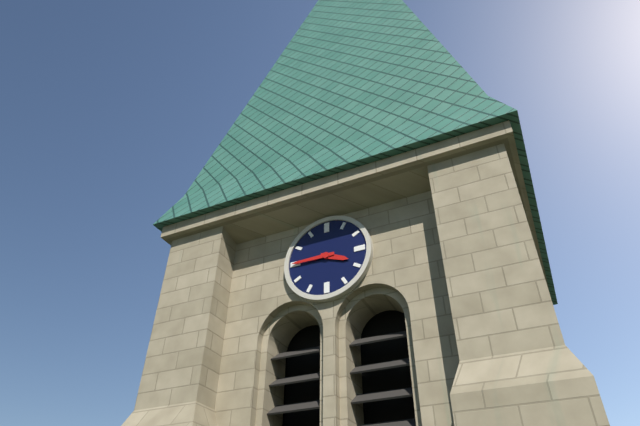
3.45
